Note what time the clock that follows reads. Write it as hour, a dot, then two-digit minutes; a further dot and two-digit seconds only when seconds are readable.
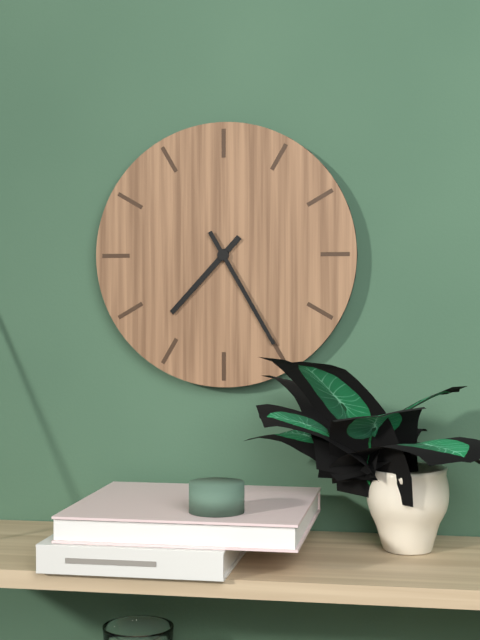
7.25
